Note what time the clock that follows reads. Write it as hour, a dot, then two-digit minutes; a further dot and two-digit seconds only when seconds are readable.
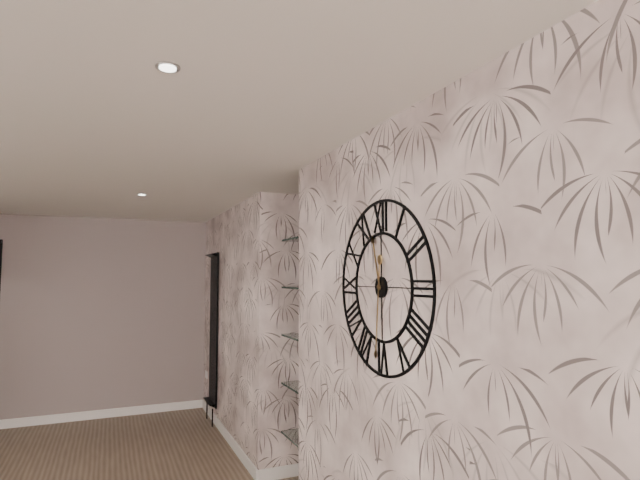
11.31
